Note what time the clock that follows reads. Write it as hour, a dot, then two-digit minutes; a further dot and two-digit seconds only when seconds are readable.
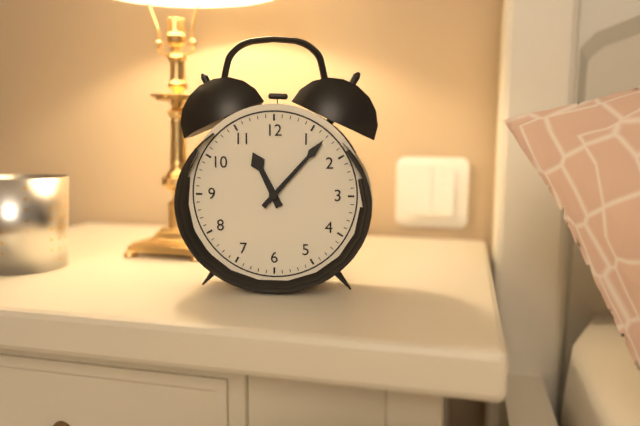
11.07
